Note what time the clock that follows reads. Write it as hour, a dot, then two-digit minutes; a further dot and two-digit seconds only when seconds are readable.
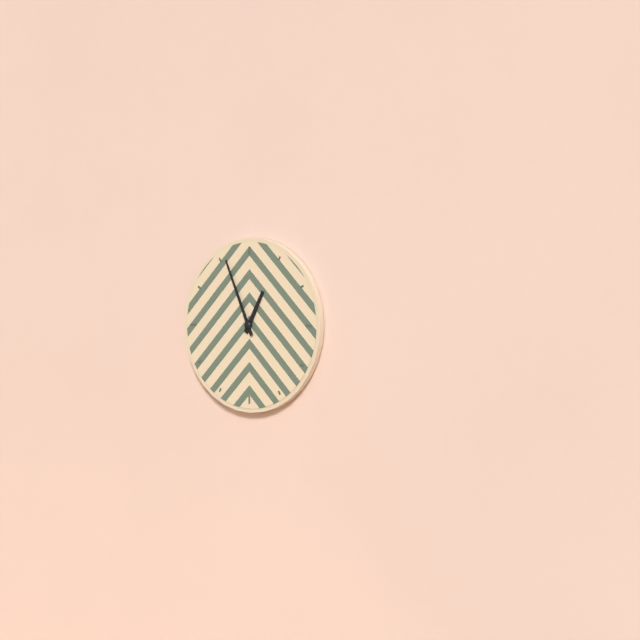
12.56
